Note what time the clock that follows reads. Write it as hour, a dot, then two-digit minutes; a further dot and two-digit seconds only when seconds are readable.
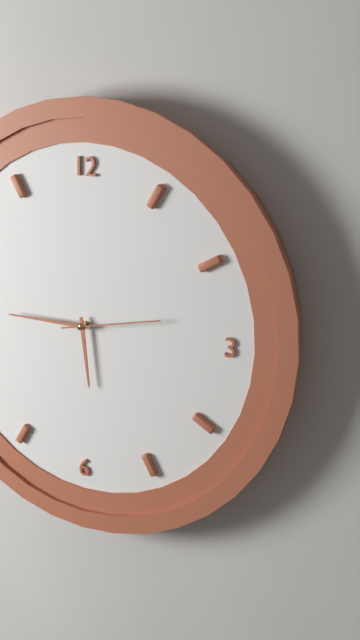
5.45.13
